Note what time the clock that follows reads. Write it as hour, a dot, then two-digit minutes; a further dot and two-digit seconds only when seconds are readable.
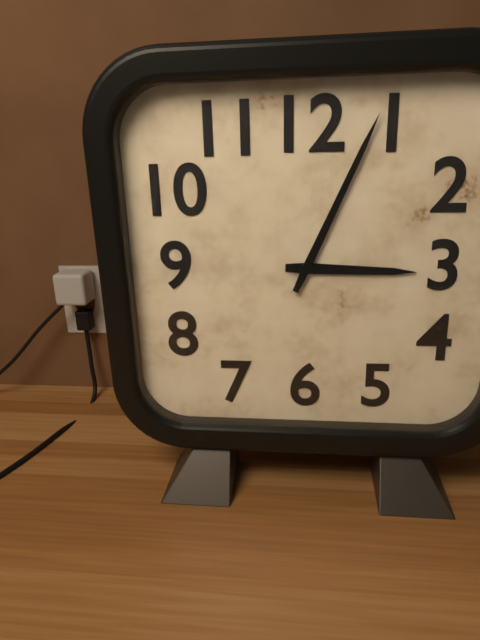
3.04
